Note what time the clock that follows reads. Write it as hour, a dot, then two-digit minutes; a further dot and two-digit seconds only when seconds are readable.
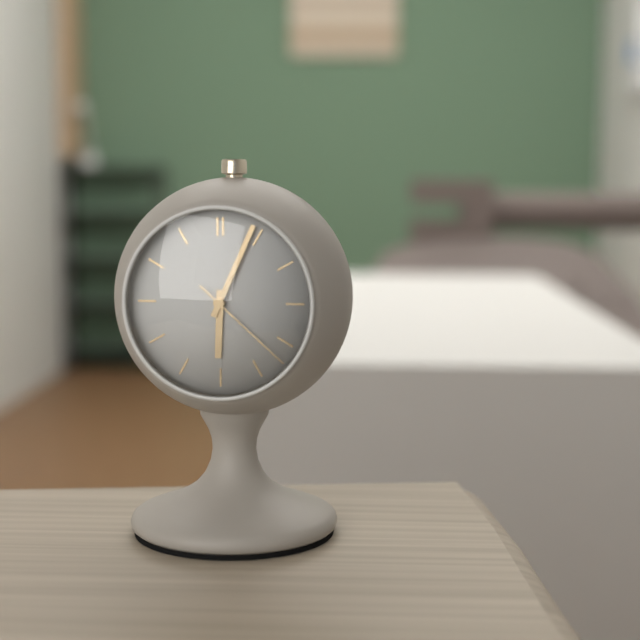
6.04.22
